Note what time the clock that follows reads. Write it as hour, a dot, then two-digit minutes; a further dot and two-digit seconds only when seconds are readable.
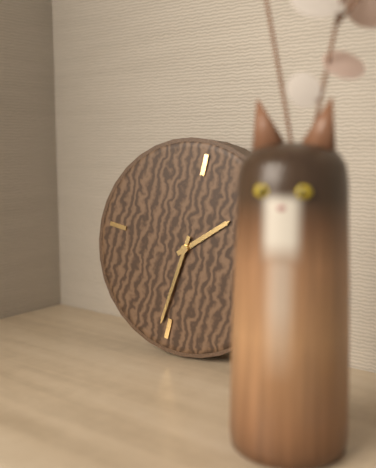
1.31
